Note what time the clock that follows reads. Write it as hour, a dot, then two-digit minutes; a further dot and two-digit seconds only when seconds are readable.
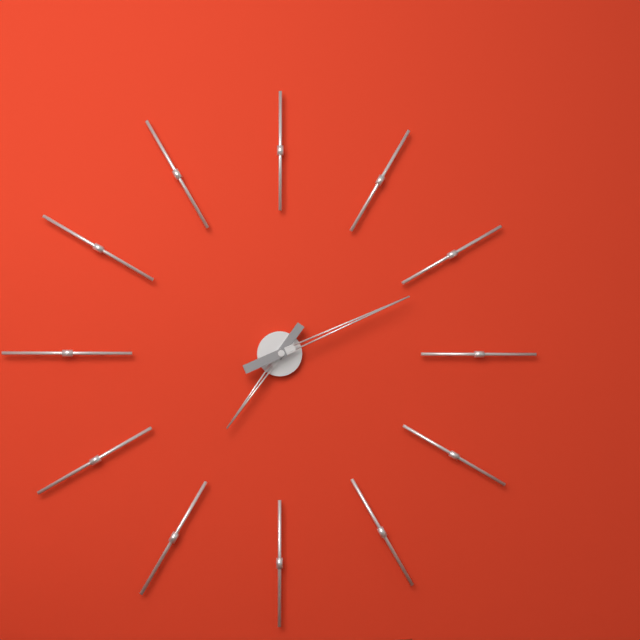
7.11
